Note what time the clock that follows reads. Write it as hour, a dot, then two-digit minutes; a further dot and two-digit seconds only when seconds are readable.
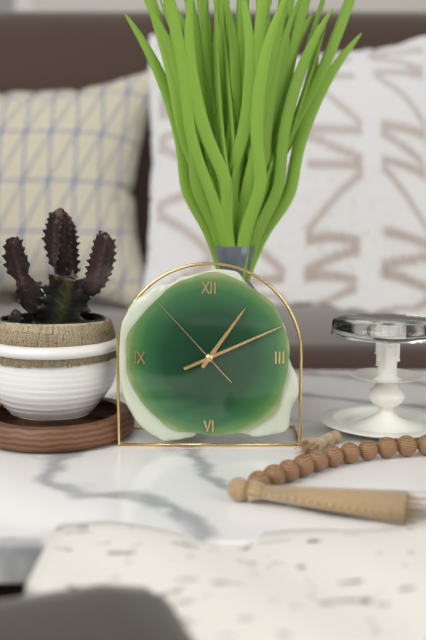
1.11.53
